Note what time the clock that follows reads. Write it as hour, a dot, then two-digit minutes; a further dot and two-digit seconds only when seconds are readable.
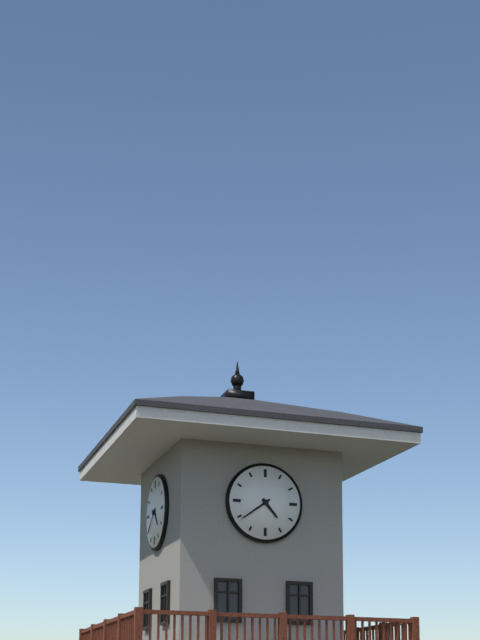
4.39
